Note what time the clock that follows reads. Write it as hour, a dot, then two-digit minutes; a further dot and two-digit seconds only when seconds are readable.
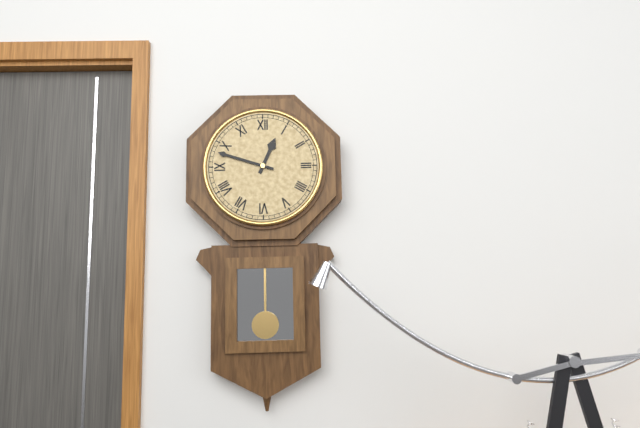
12.48
